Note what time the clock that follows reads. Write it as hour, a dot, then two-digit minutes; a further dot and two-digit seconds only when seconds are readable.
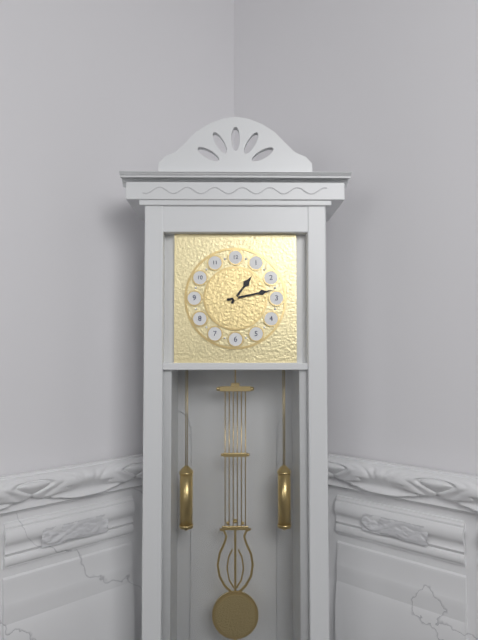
1.13
